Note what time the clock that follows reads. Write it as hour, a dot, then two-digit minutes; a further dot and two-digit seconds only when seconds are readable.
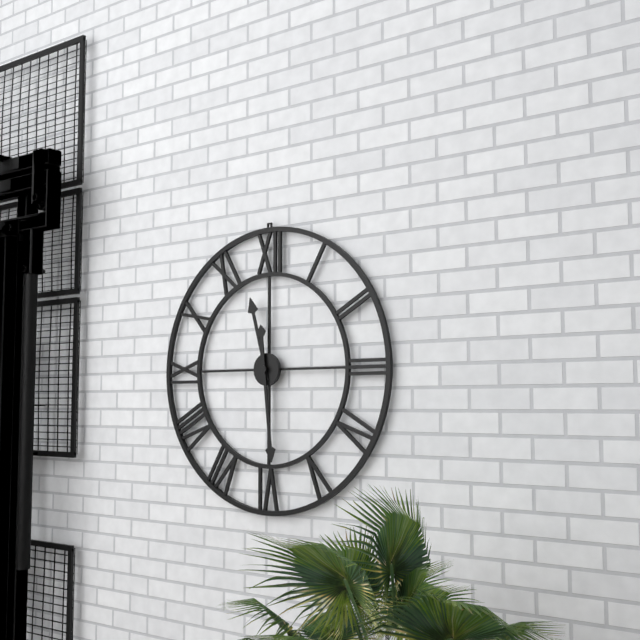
11.29
